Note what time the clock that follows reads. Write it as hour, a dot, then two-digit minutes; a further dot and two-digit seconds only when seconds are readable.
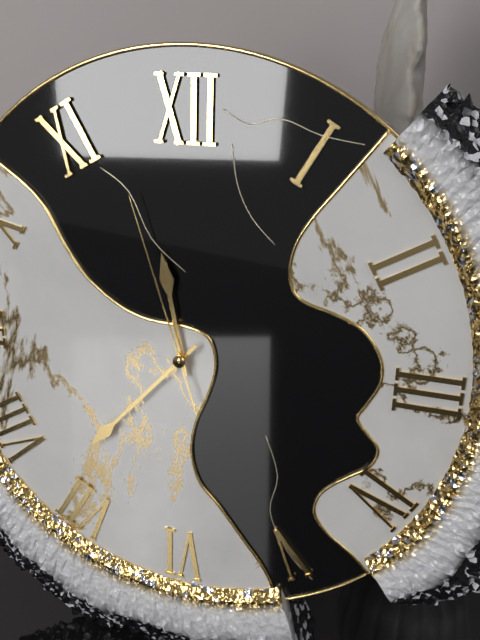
11.37.57
